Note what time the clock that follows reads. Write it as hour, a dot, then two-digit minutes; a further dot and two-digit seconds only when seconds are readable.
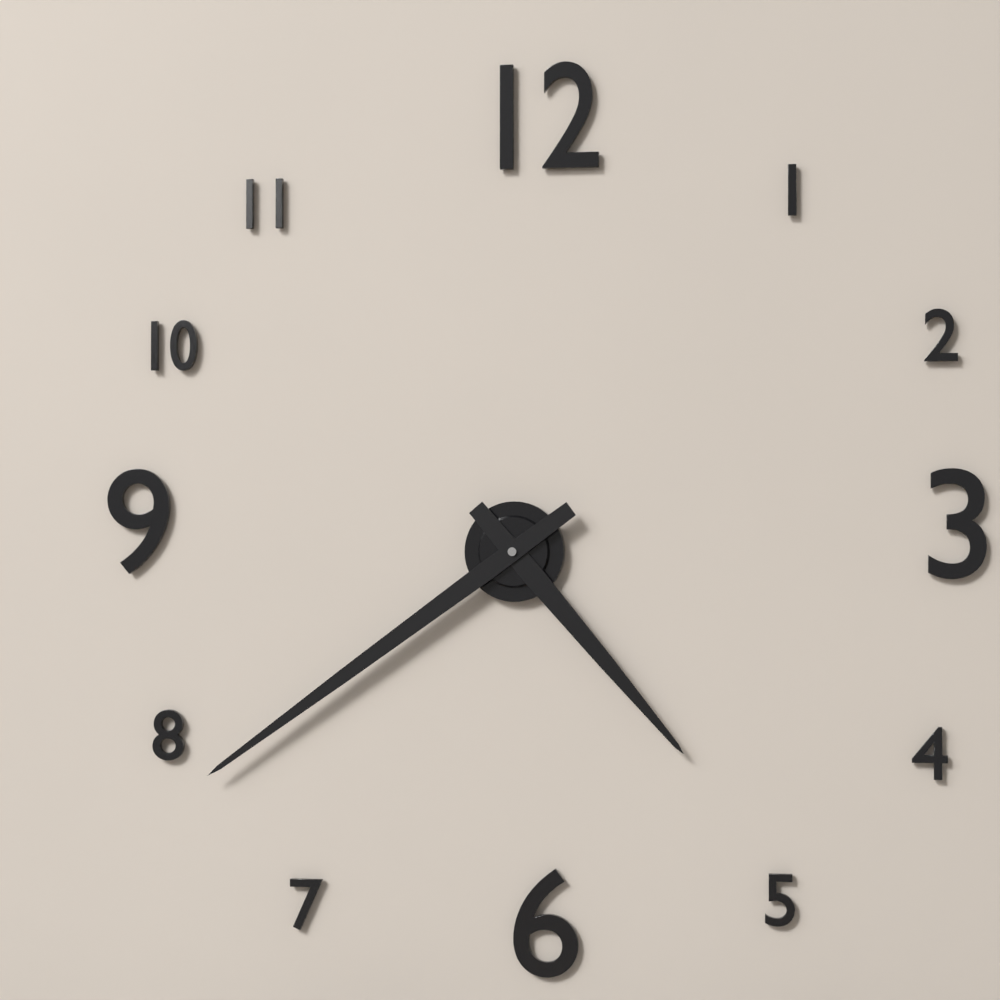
4.39
